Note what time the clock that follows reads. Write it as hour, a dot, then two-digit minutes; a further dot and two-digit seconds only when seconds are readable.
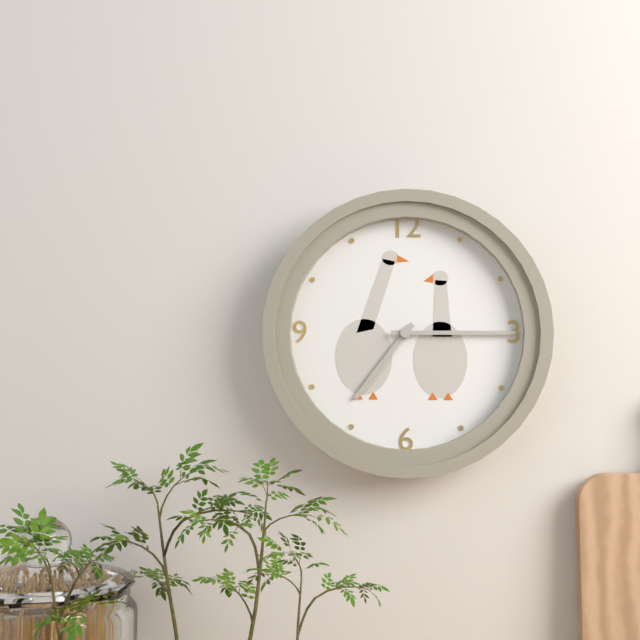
7.15
